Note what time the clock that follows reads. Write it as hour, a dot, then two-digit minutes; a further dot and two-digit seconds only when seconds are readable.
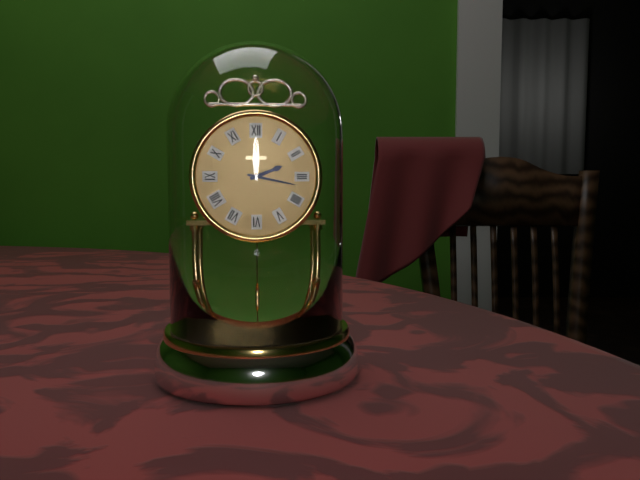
2.17
